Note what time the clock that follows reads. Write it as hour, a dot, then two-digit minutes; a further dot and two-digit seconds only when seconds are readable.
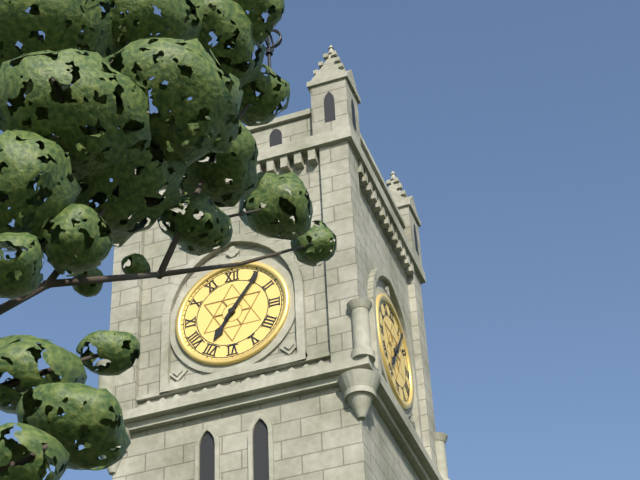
7.06
